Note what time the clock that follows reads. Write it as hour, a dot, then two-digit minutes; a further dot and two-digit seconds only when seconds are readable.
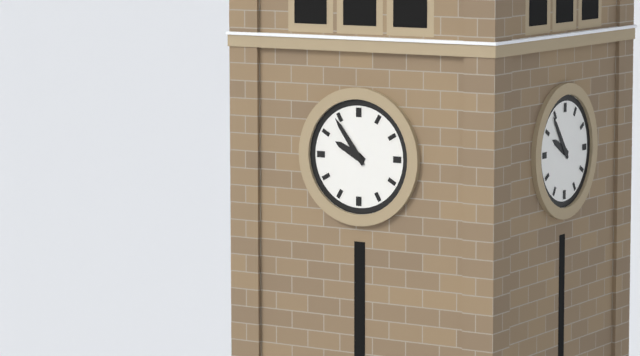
9.54
